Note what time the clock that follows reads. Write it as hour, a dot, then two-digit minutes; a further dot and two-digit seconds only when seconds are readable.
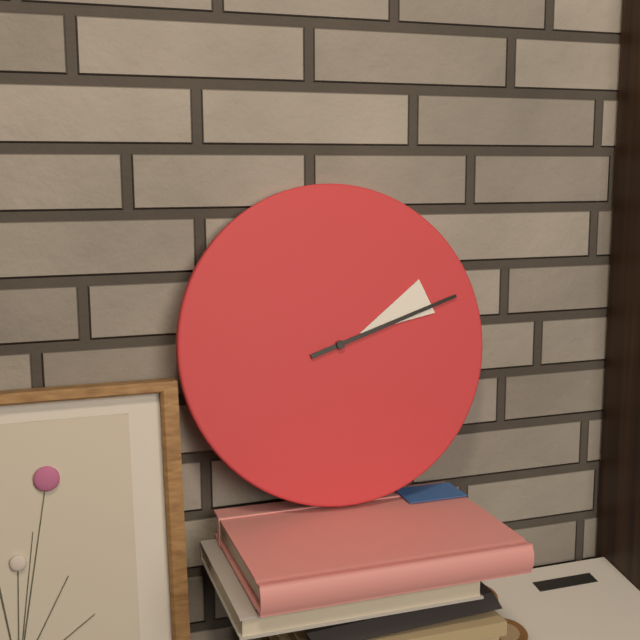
2.12
